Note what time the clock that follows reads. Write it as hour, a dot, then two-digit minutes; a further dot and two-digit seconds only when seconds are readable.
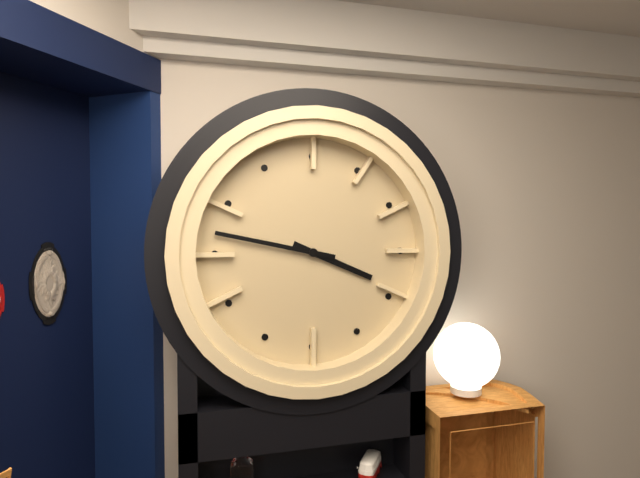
3.47
